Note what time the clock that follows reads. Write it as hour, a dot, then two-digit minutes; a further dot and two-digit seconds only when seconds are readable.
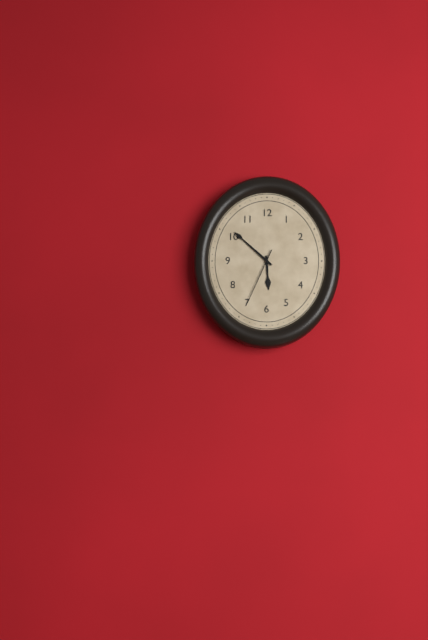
5.52.34
